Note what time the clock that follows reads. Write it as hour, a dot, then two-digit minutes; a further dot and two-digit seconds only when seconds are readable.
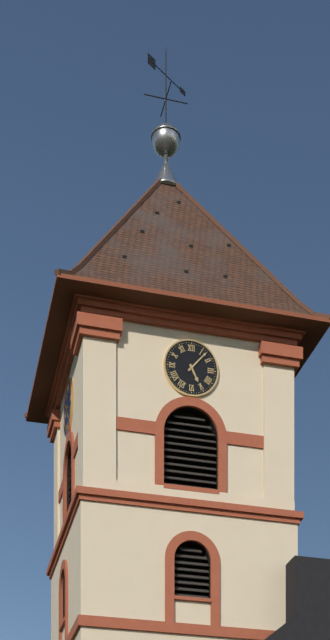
5.07
